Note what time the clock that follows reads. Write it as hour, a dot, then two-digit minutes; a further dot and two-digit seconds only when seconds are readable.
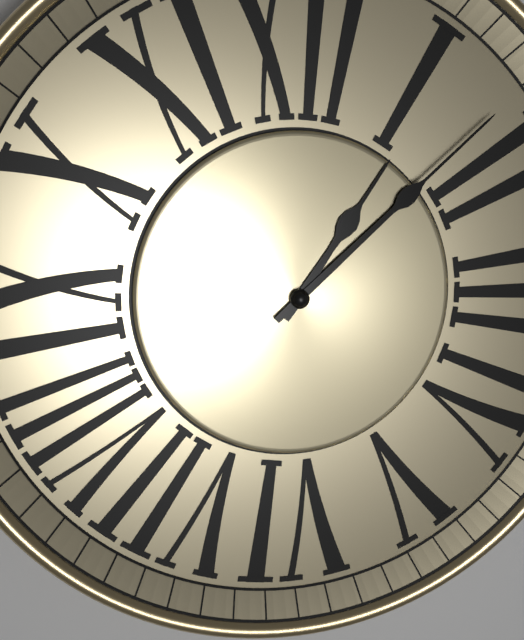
1.08
